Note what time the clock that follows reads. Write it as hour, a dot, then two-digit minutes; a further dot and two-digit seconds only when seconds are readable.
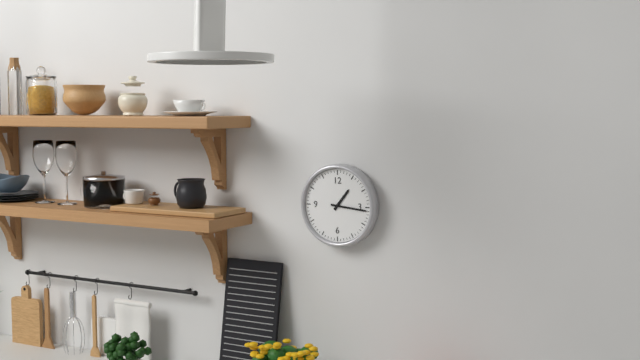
1.16
